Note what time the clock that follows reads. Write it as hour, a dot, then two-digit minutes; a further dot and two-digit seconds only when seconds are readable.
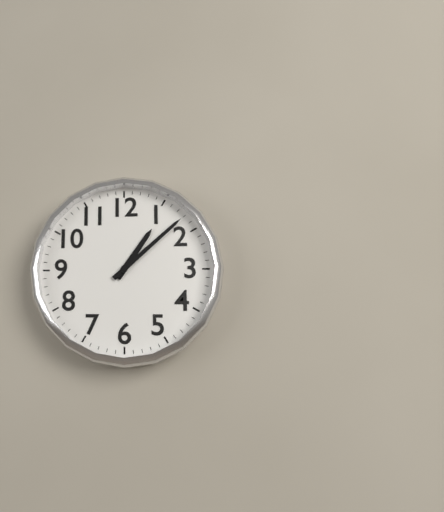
1.08
